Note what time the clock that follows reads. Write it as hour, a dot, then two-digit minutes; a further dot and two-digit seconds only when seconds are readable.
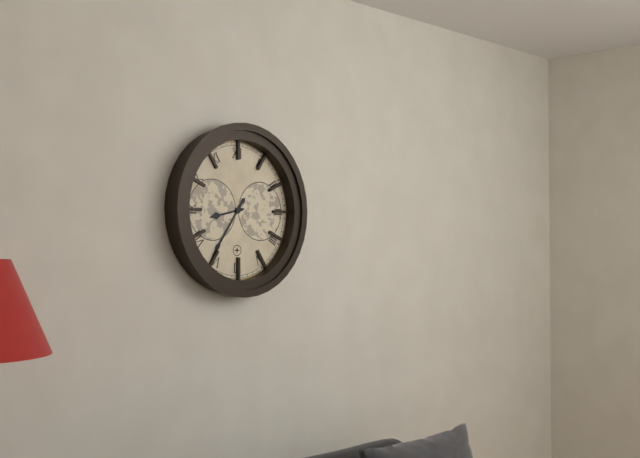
8.36
